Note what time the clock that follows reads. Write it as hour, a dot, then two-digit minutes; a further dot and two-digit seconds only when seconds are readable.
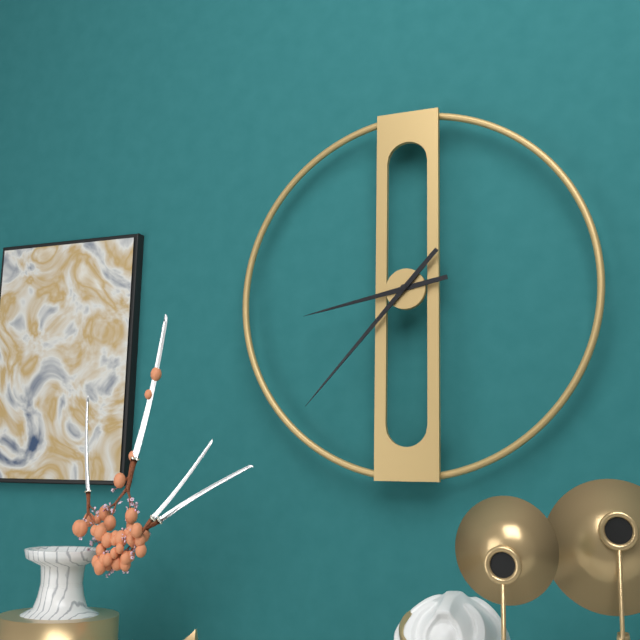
8.37
